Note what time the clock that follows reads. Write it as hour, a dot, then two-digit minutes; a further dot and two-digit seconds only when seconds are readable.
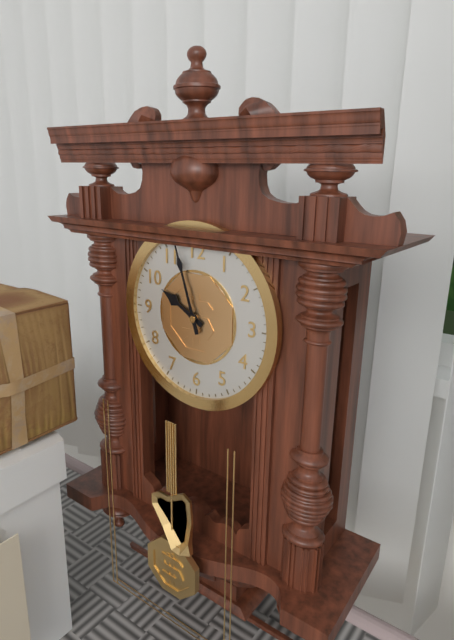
9.57
